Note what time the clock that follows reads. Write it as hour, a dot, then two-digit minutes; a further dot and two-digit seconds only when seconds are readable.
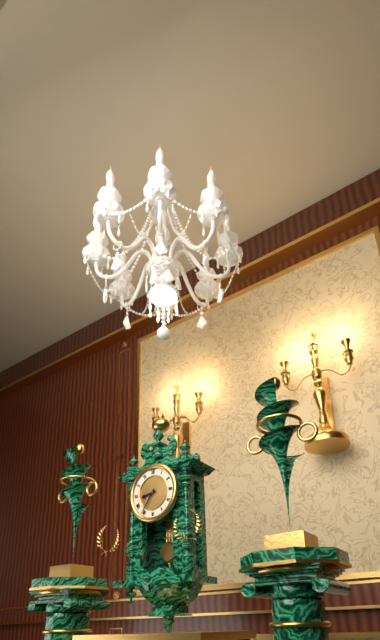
8.36
